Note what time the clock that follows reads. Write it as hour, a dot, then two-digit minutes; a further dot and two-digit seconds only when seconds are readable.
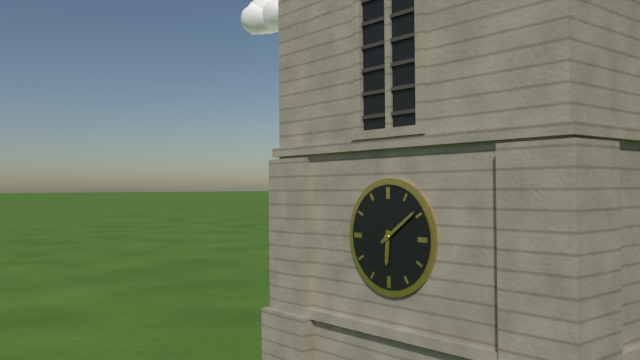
6.09
